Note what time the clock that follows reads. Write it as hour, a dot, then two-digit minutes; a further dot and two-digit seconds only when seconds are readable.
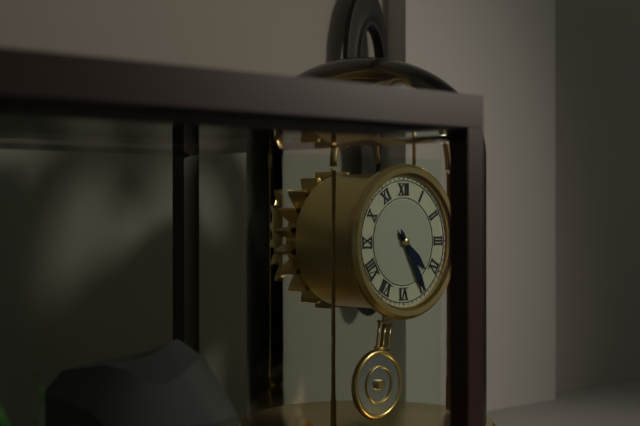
4.25
